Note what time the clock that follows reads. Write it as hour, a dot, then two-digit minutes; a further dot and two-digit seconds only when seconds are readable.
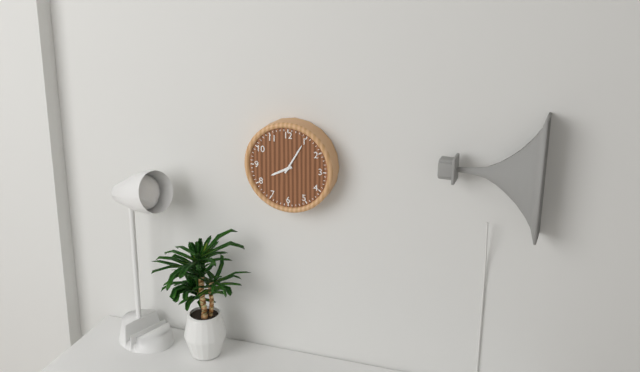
8.05
